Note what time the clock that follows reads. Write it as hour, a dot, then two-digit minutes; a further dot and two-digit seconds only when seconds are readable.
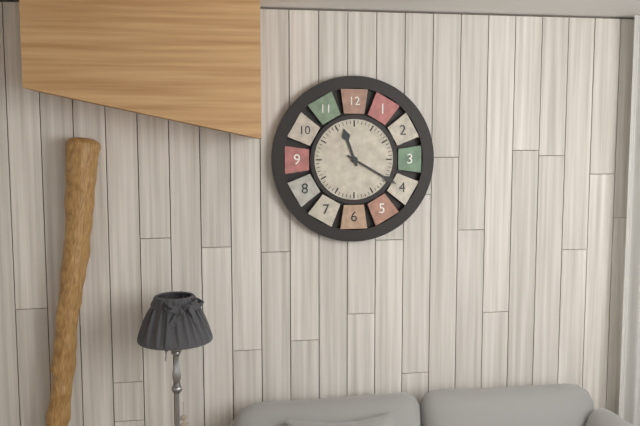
11.20
